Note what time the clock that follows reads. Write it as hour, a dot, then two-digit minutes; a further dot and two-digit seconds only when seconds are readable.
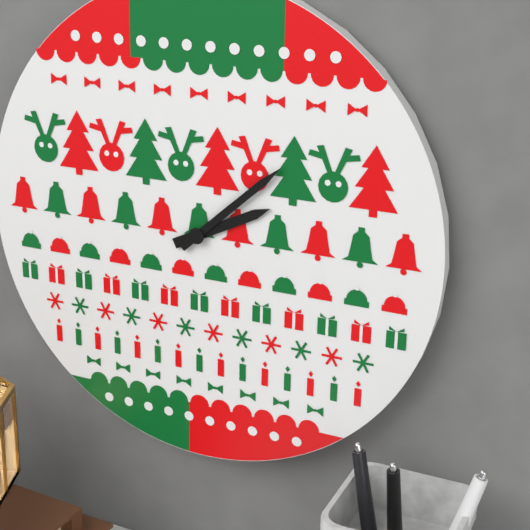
2.08
